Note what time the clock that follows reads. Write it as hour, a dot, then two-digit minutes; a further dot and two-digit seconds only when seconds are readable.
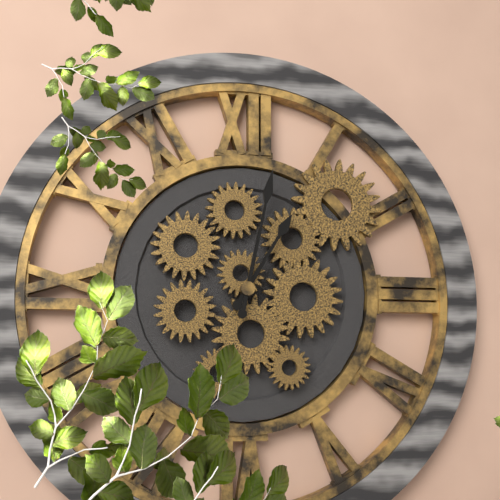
1.02
